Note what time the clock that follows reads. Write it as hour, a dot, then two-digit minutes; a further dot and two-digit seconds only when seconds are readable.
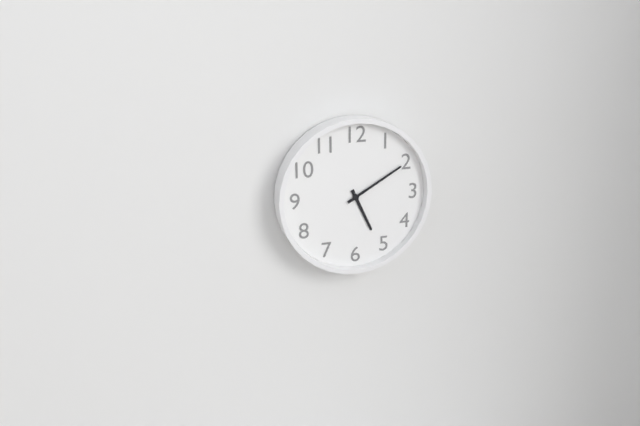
5.10
